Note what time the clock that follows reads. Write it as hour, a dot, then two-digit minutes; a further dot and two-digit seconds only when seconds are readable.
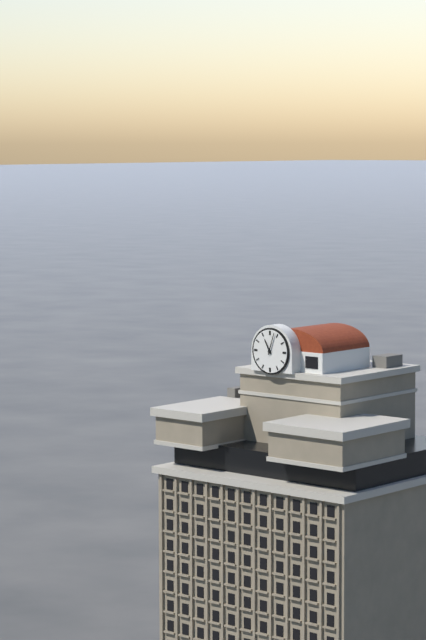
11.03
